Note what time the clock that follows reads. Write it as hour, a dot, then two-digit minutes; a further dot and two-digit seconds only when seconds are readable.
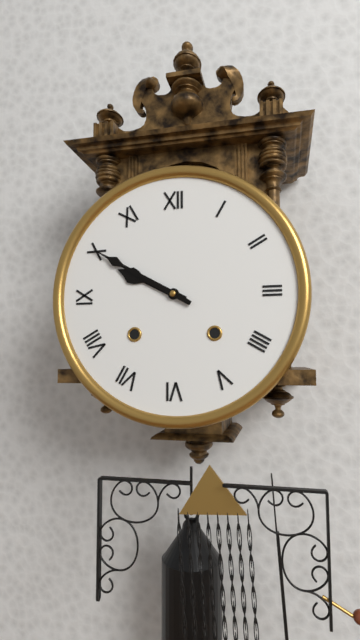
9.50
